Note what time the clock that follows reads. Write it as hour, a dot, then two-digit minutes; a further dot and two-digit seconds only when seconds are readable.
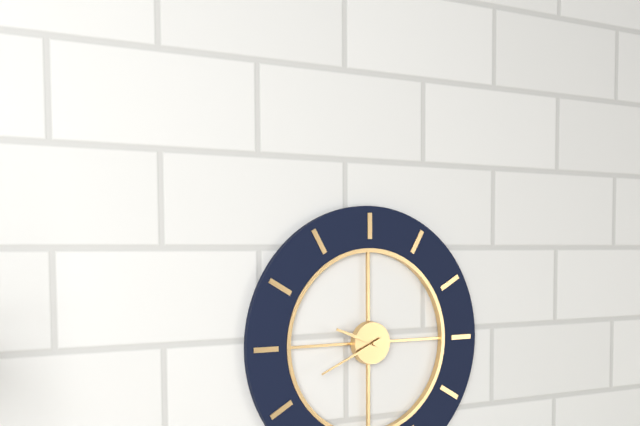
9.41
